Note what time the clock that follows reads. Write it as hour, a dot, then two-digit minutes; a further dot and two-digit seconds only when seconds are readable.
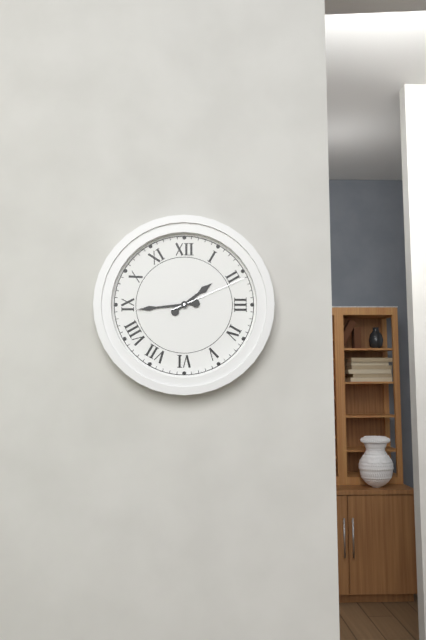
1.44.11
